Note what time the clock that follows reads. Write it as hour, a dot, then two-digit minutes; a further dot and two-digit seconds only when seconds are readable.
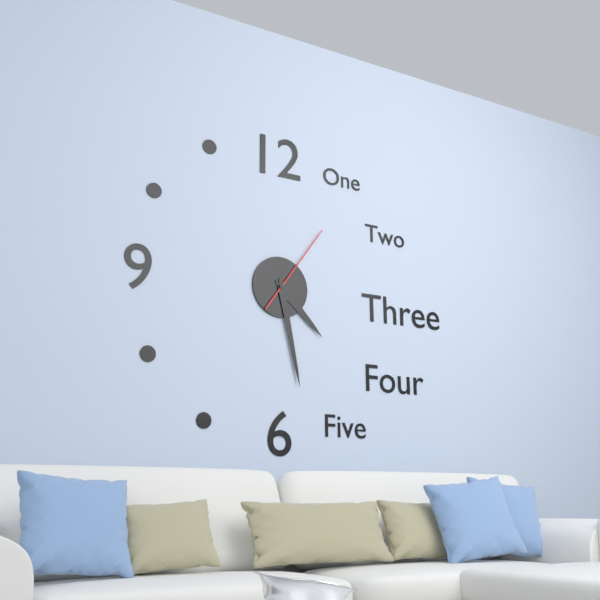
4.28.06
